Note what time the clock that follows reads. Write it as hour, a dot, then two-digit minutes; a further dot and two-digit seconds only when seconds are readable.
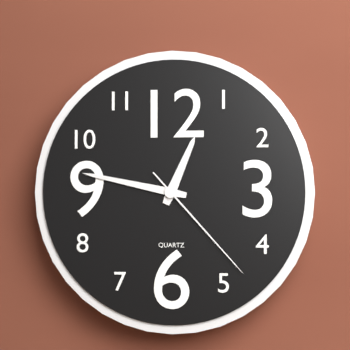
12.47.23
